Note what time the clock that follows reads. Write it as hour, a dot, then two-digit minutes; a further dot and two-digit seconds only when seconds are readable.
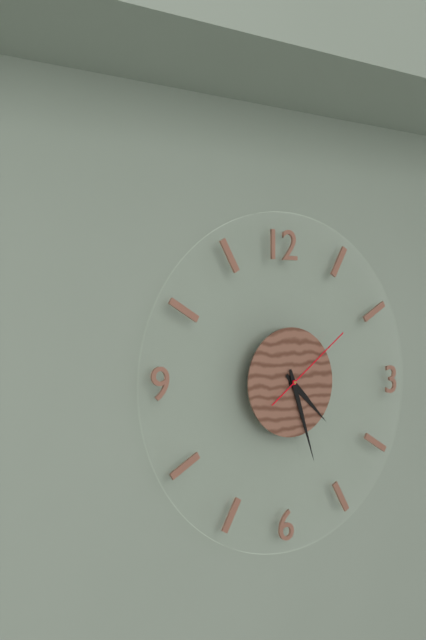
4.27.09
